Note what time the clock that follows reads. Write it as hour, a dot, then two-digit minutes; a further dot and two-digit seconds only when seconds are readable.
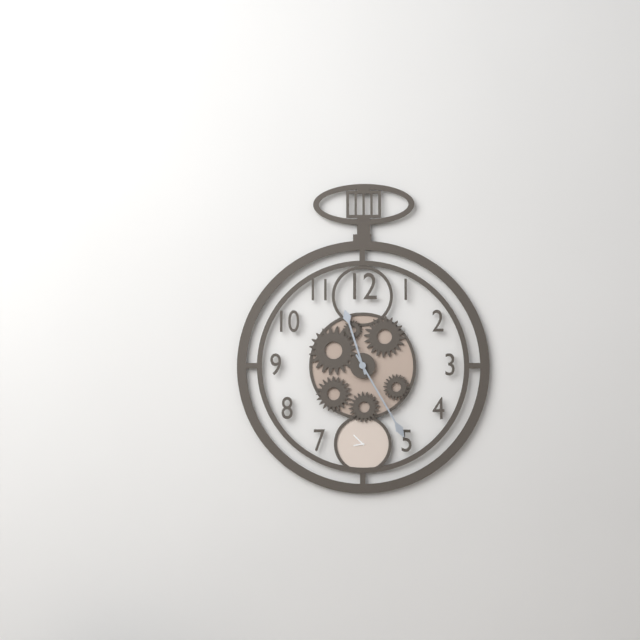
11.25
